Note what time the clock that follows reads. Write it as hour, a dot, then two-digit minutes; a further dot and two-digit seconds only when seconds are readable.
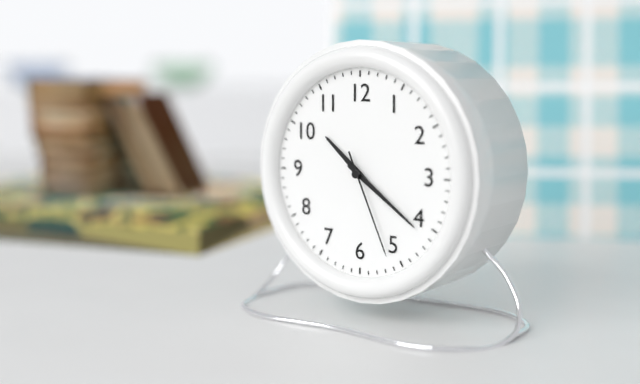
10.21.26
